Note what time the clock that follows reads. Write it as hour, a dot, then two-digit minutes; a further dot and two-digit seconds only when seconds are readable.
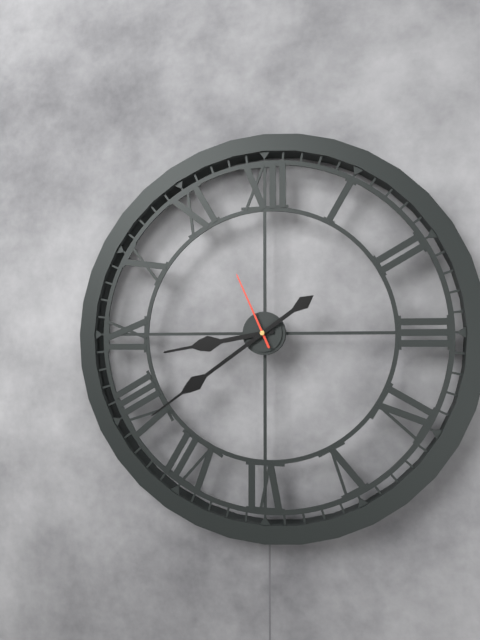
8.39.56
